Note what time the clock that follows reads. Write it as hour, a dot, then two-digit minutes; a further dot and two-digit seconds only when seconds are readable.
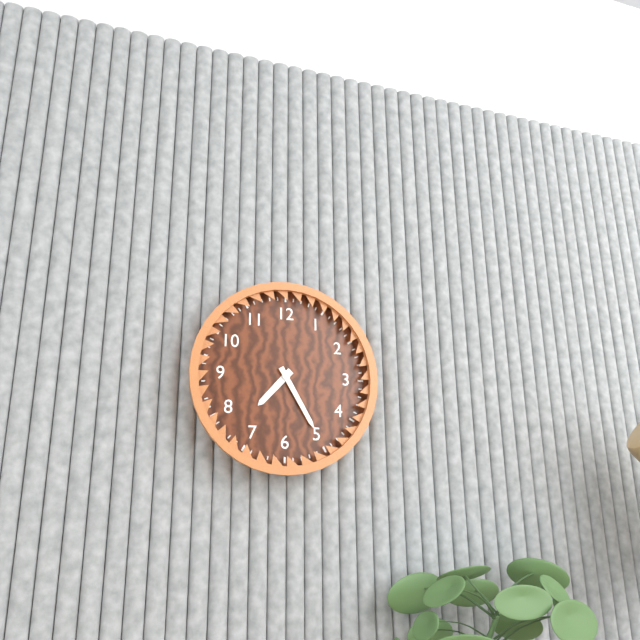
7.25
